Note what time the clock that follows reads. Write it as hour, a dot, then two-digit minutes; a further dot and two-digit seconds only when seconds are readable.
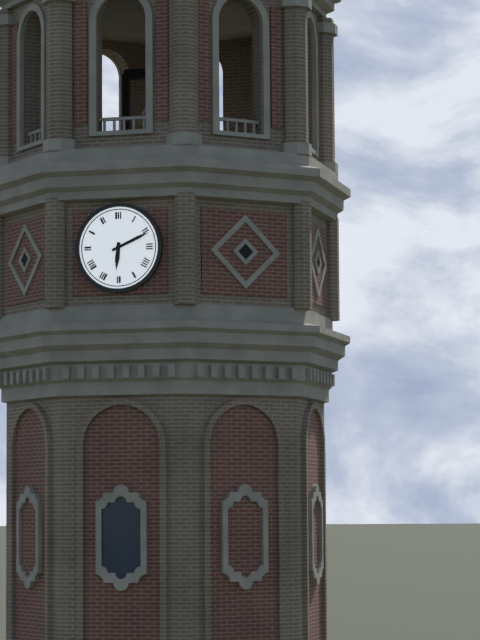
6.11
